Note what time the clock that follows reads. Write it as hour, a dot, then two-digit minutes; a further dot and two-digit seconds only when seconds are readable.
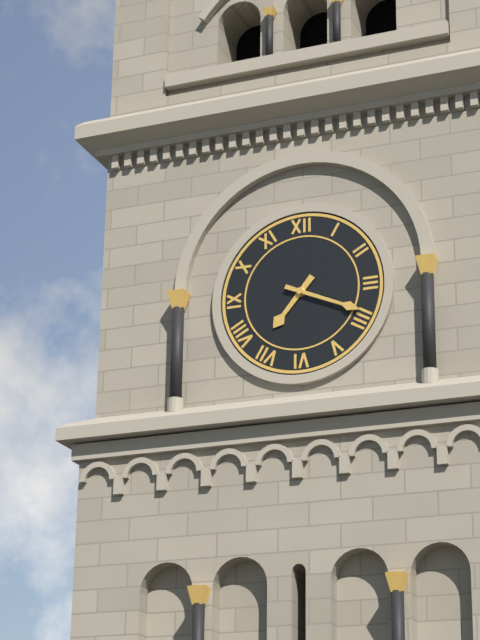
7.19
